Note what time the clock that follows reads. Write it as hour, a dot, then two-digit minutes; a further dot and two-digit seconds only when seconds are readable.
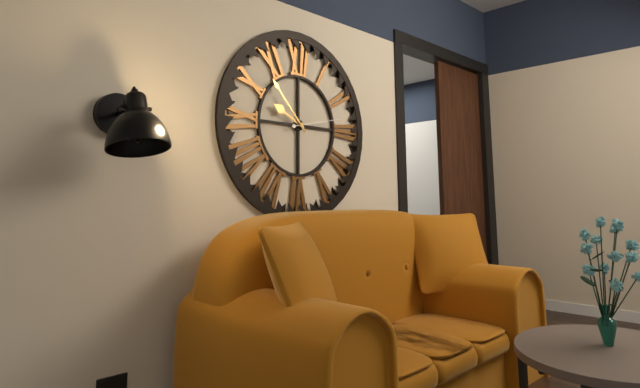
9.53.13
